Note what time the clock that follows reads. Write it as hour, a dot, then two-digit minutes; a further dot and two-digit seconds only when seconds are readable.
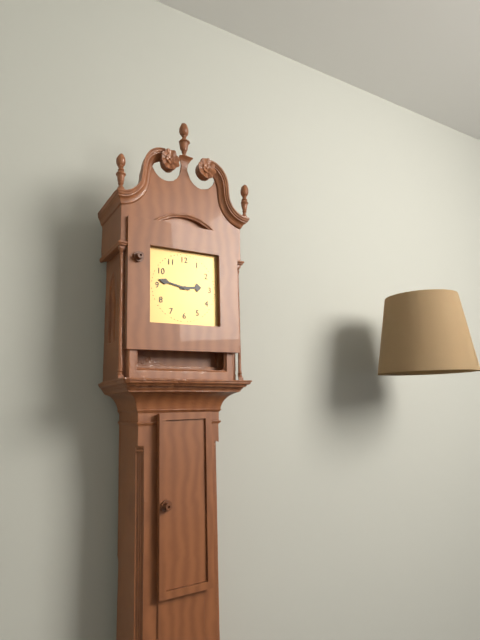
2.47
